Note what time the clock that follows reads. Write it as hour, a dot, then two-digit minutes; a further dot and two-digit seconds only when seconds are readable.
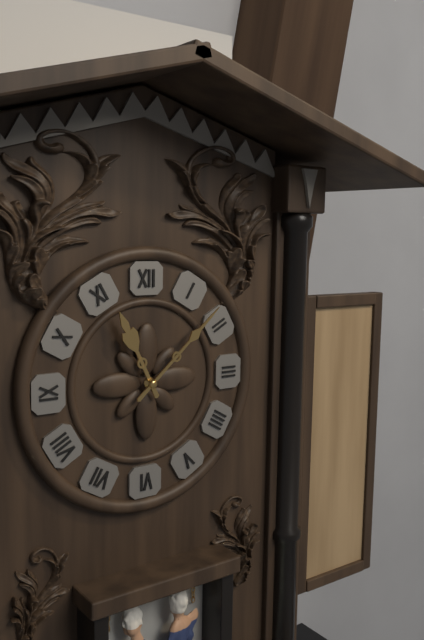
11.08
